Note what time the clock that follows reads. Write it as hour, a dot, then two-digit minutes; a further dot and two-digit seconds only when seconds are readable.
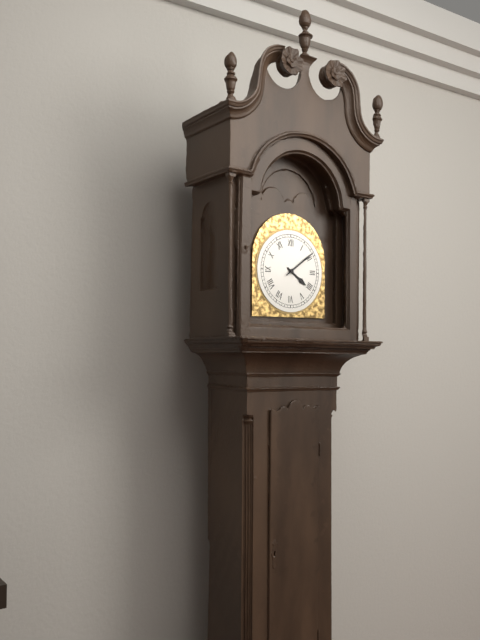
4.09
